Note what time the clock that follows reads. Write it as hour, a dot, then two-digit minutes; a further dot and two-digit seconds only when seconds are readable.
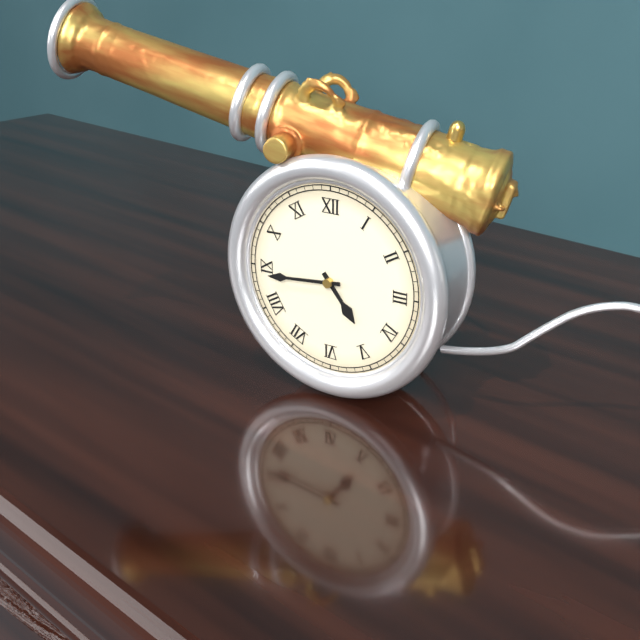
4.44
